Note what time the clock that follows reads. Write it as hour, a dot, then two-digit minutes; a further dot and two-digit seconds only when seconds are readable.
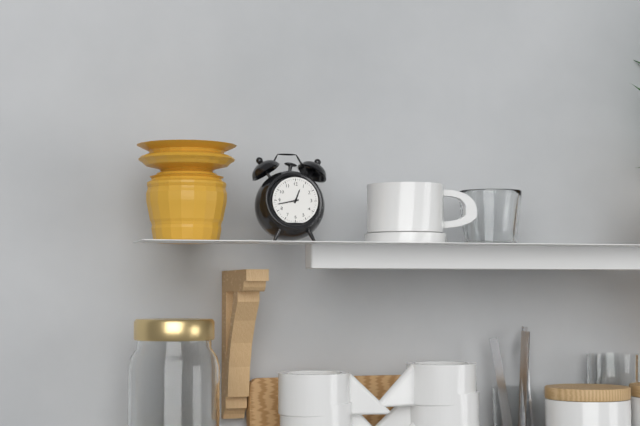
12.43
